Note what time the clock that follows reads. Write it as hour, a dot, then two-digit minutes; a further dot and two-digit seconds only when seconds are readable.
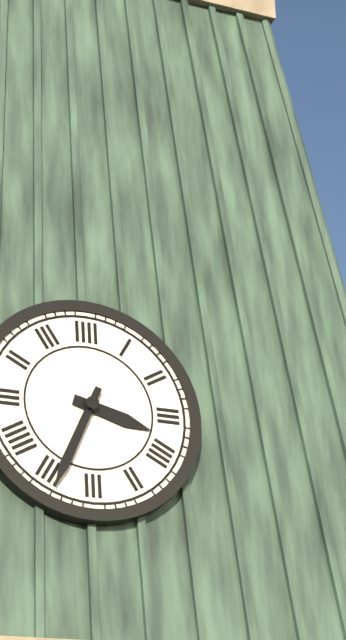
3.34
